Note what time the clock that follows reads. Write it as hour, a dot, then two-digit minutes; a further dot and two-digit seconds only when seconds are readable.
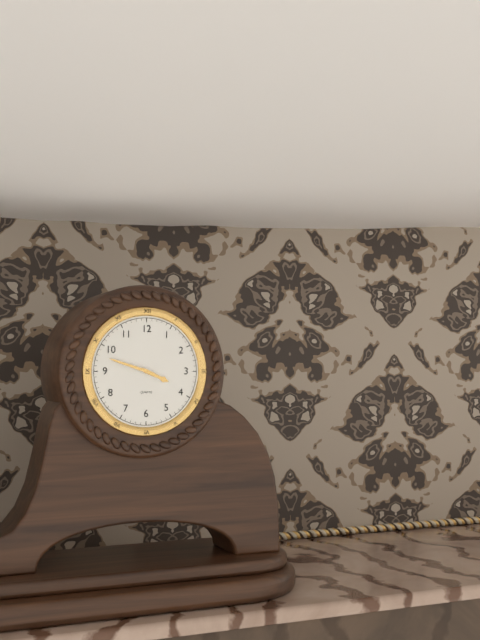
3.48
